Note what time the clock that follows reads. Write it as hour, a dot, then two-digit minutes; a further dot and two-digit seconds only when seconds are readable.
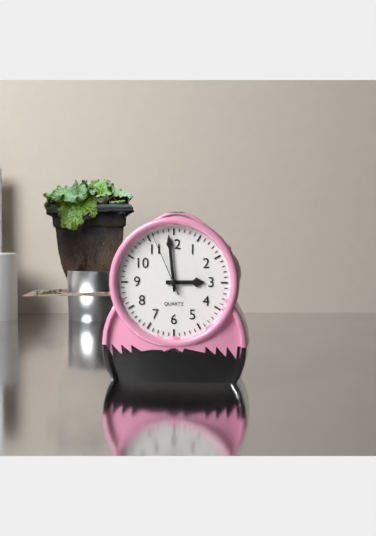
2.59.56
